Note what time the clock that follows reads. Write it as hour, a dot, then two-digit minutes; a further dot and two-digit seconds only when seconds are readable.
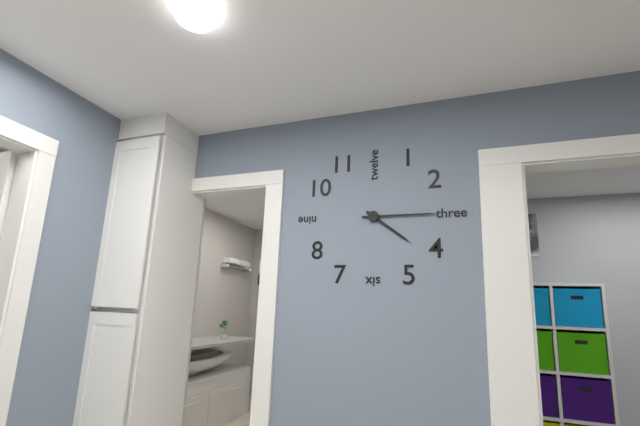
4.15
